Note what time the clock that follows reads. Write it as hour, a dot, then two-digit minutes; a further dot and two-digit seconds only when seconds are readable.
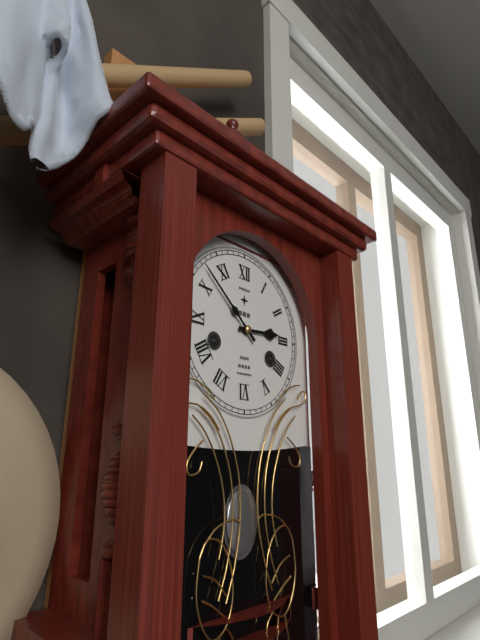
2.52
